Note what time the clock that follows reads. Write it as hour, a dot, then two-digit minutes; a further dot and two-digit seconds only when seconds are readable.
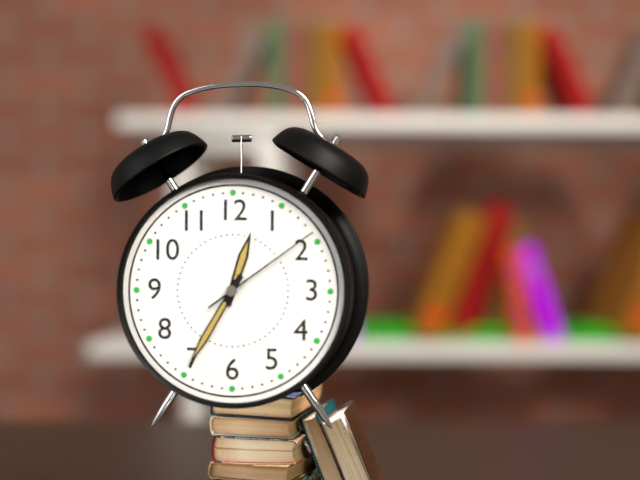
12.35.09
